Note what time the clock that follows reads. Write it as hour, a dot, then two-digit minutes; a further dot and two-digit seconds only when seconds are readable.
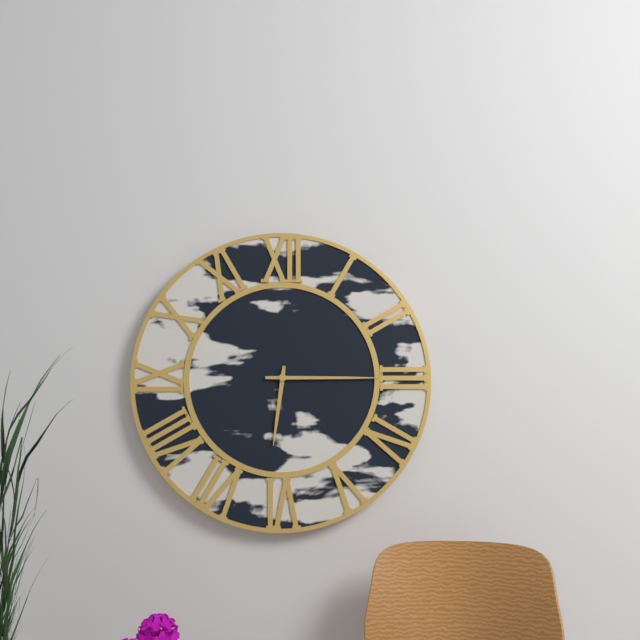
6.15
